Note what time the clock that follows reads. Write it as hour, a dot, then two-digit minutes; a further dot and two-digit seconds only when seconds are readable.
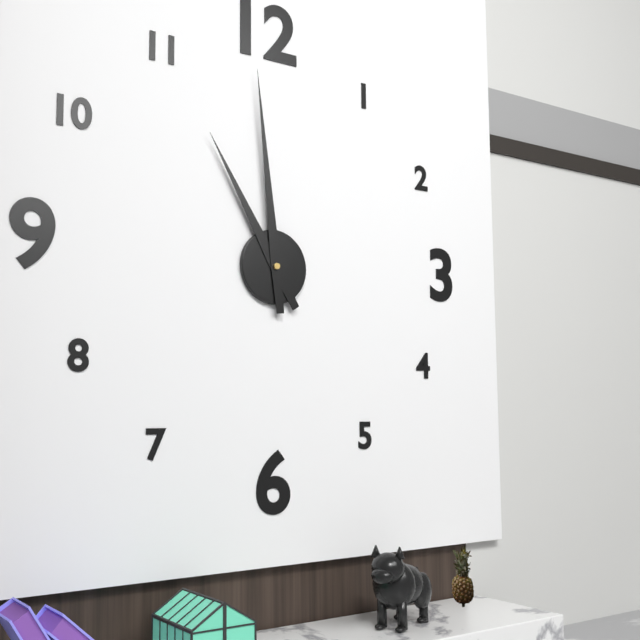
10.59
